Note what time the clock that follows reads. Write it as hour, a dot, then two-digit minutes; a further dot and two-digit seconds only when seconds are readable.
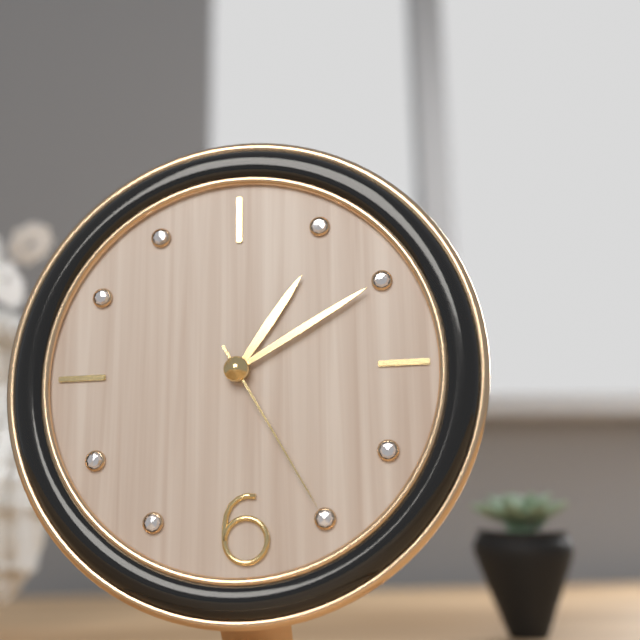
1.10.25
